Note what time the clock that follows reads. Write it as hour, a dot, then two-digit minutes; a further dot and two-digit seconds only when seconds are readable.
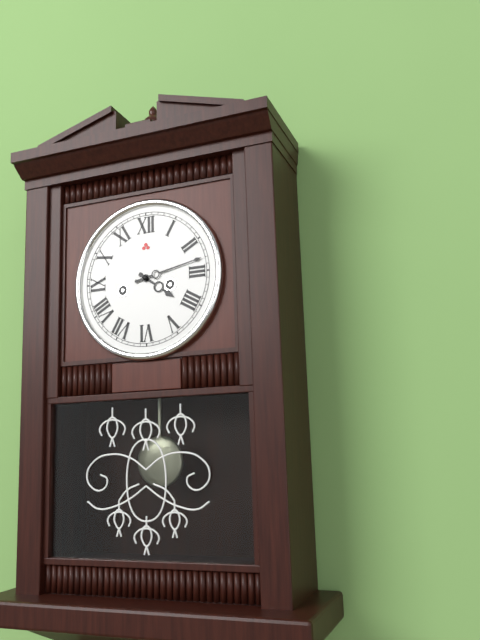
4.13
